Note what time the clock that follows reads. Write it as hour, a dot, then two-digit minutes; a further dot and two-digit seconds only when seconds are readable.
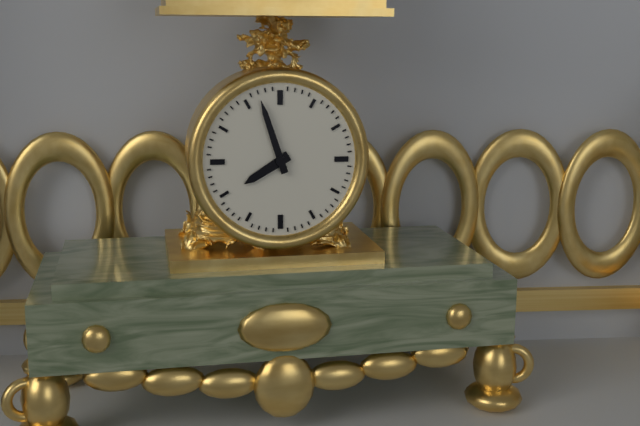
7.57
